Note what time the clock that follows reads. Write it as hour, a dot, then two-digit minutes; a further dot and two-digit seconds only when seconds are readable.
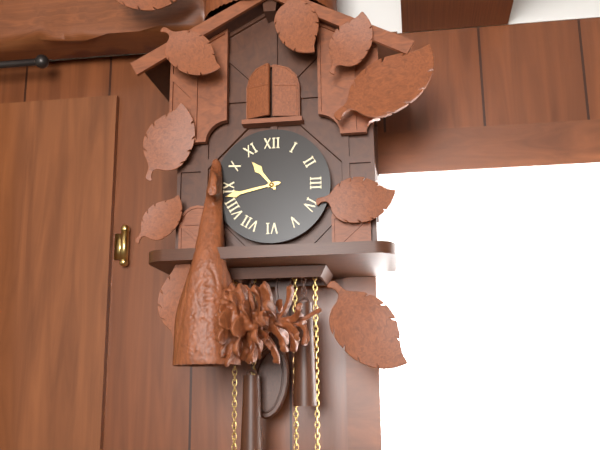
10.43
